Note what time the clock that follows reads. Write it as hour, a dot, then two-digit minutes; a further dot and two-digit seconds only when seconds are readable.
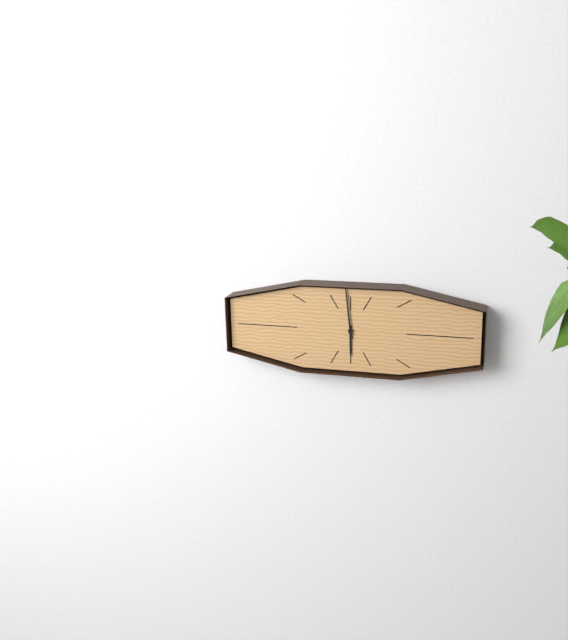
5.59
